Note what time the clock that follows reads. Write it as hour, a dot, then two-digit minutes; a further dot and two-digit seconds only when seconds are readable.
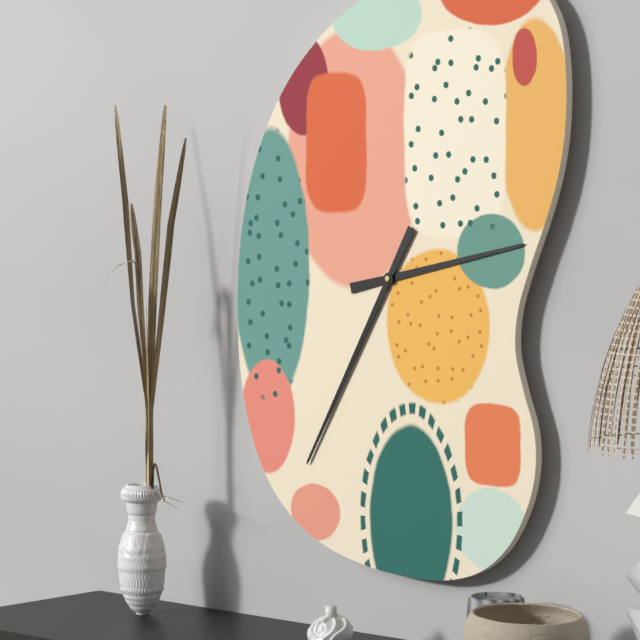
2.35
